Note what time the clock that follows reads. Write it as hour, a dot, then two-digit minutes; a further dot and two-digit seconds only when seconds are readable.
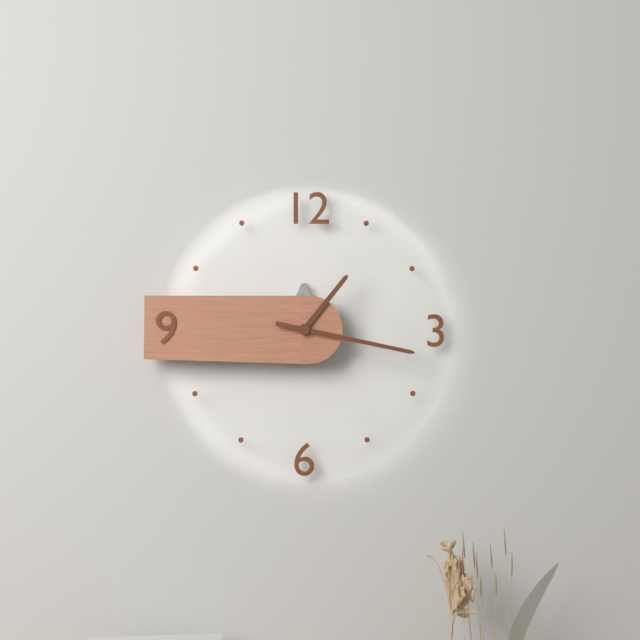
1.17
